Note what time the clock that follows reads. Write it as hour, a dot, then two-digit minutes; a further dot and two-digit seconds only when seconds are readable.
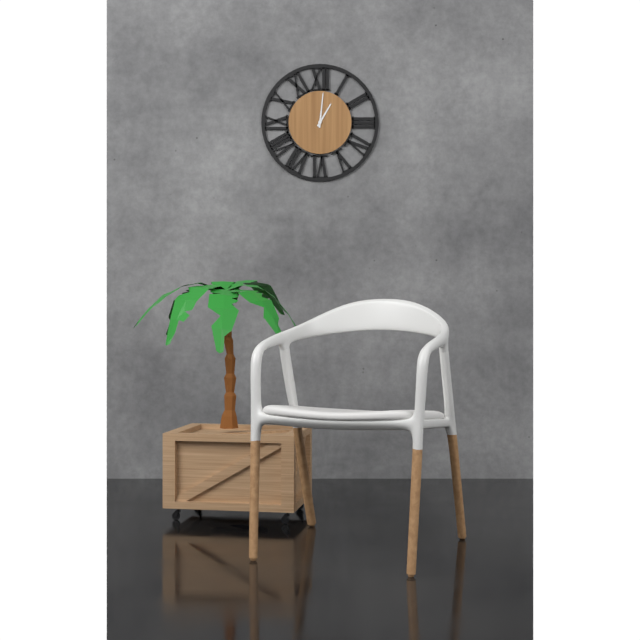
1.01
